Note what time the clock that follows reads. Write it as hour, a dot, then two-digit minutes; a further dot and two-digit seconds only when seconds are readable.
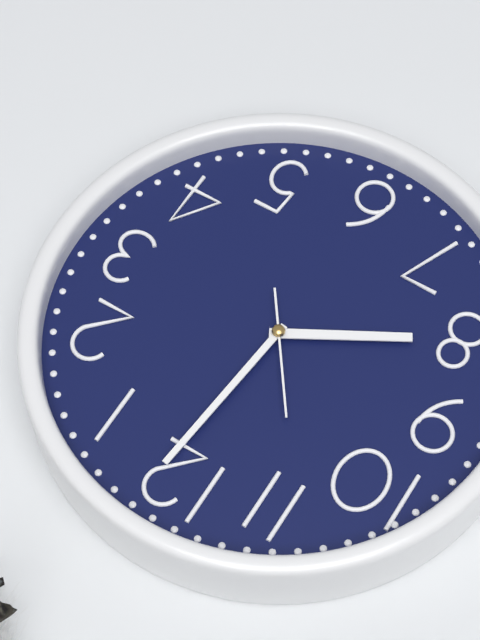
8.01.54
